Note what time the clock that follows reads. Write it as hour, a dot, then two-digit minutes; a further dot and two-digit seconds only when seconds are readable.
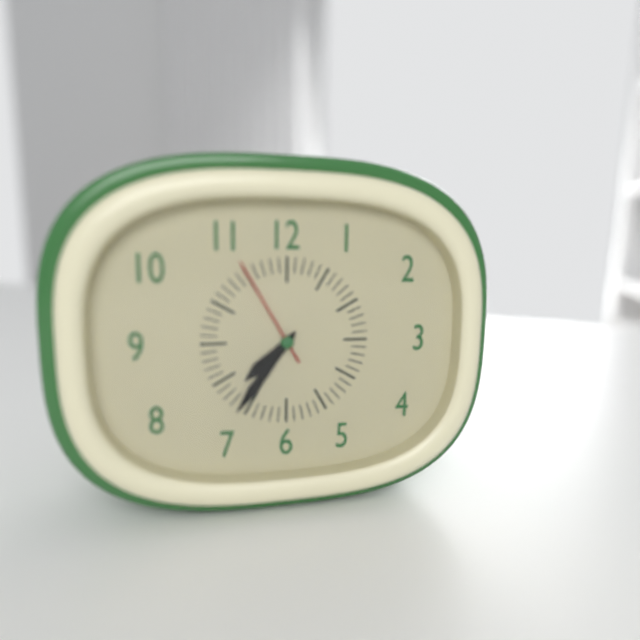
7.36.55
